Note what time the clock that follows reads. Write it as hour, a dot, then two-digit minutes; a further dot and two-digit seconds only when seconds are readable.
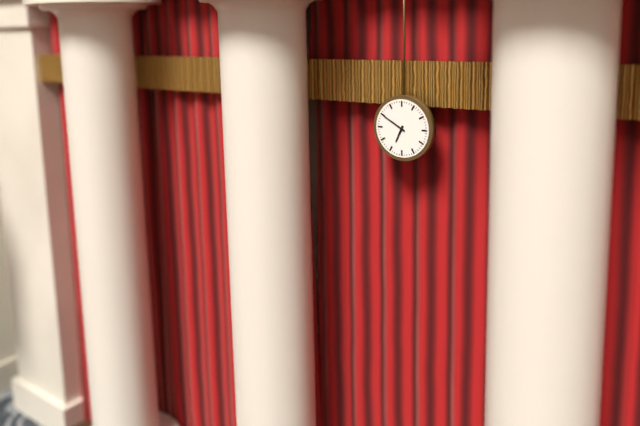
6.50
